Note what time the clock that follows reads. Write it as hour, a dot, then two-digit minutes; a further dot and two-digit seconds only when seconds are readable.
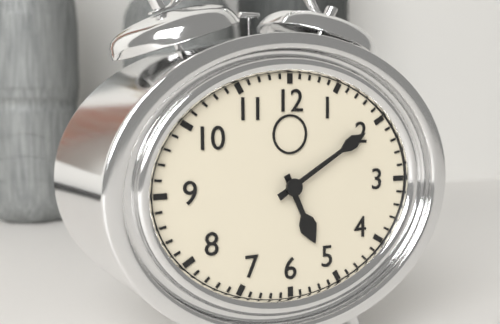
5.10
